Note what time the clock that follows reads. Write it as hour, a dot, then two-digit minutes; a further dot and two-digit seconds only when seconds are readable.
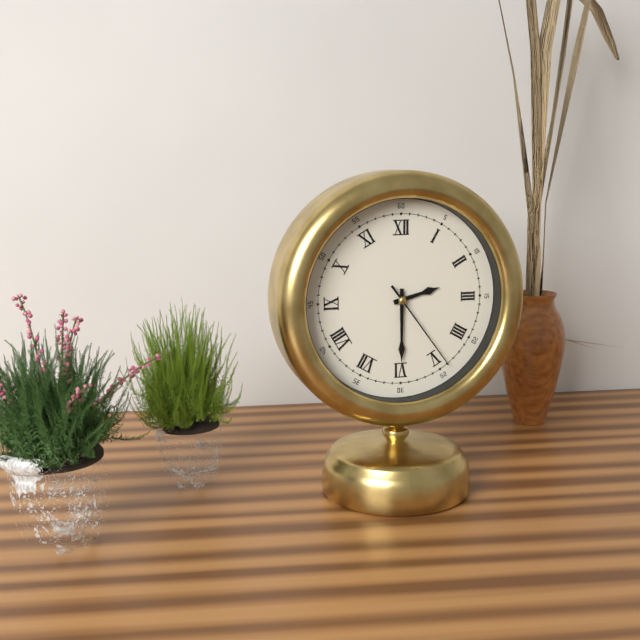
2.30.24
